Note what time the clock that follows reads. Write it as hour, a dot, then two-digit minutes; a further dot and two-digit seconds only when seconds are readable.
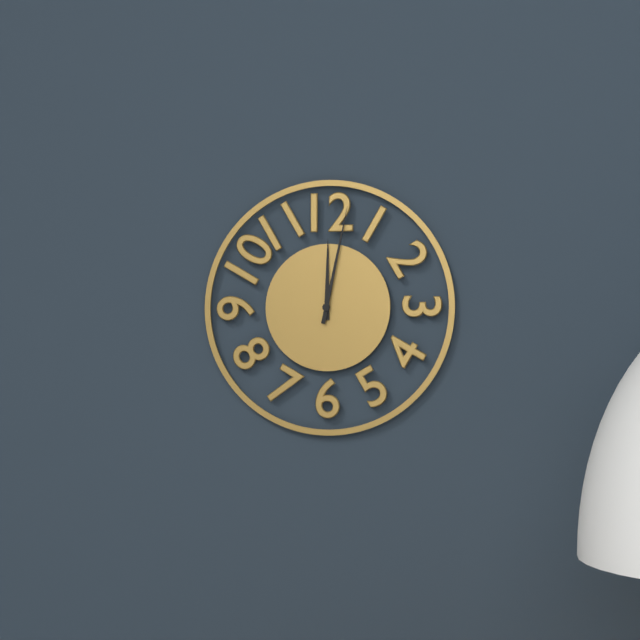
12.02
